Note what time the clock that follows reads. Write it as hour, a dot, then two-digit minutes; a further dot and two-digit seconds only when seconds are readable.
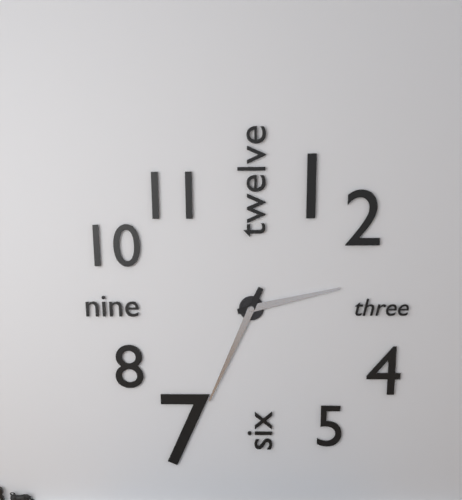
2.34
